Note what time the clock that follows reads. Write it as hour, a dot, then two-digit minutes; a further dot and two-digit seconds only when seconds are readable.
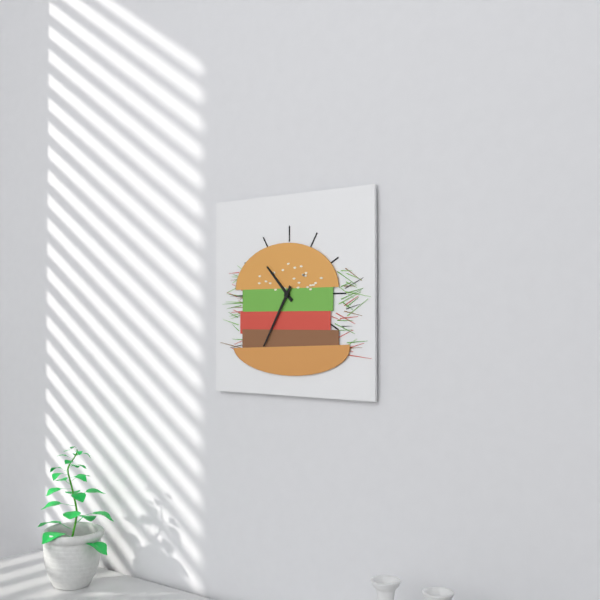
10.35
